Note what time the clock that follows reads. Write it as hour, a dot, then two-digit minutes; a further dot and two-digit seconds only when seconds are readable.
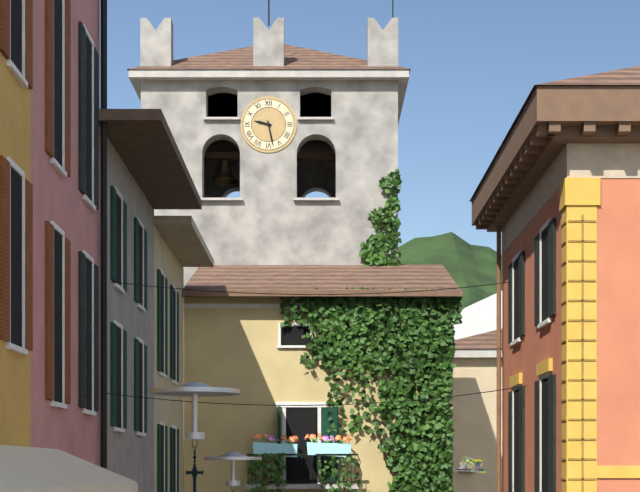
9.28
